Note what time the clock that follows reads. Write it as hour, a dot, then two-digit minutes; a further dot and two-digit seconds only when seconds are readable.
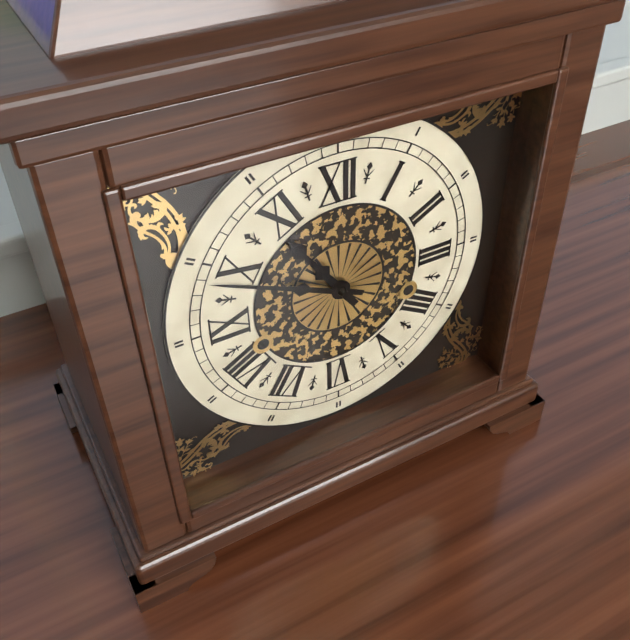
10.49
